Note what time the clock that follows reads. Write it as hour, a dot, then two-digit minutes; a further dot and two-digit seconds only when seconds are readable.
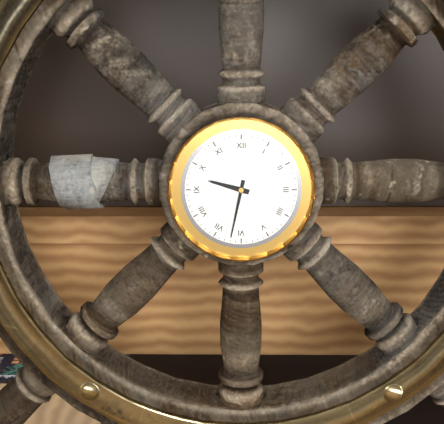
9.32
